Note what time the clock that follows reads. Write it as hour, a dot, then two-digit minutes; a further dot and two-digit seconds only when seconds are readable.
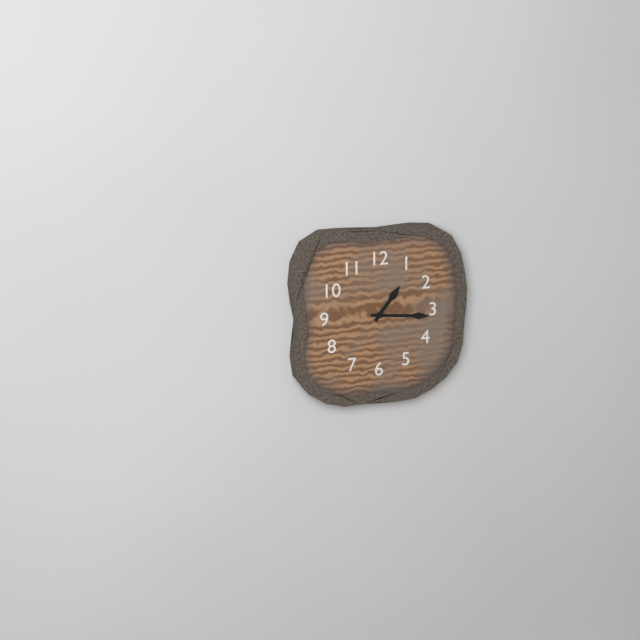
1.16
